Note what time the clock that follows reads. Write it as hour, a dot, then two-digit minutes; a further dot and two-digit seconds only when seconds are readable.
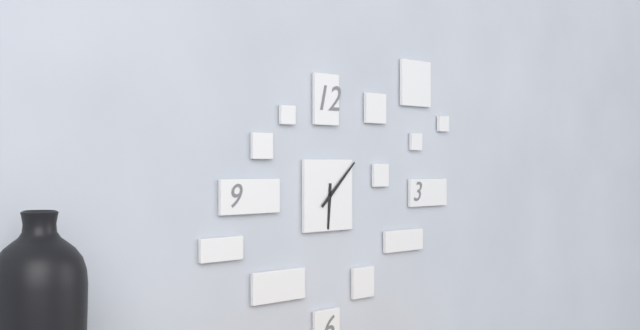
6.08
